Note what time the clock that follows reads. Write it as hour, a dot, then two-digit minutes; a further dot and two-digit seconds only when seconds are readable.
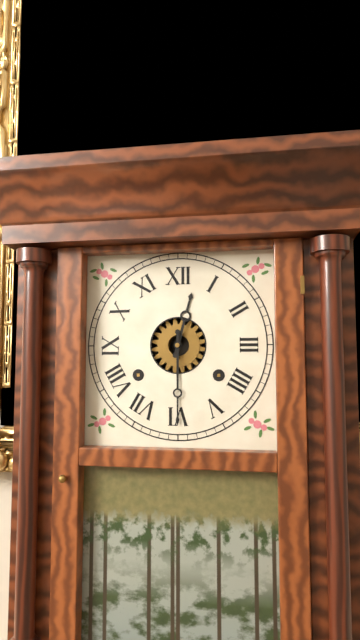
12.30
